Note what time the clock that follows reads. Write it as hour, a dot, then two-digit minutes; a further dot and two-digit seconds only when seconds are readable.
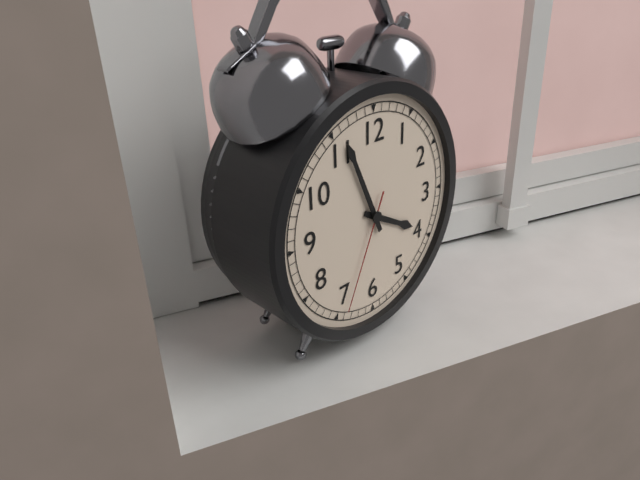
3.56.34
